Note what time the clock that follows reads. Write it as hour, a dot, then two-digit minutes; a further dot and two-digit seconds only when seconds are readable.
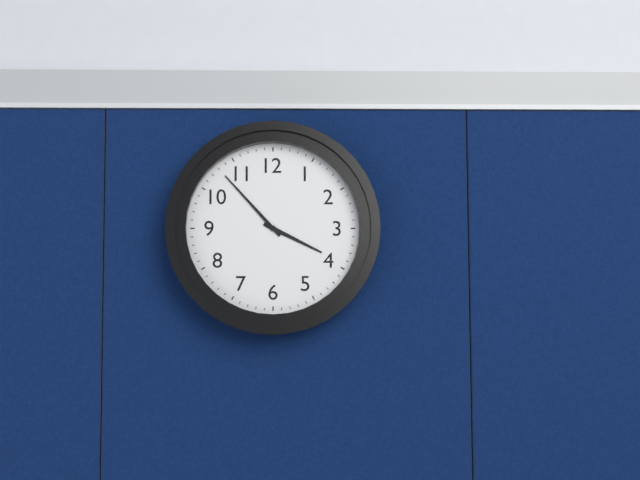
3.53
